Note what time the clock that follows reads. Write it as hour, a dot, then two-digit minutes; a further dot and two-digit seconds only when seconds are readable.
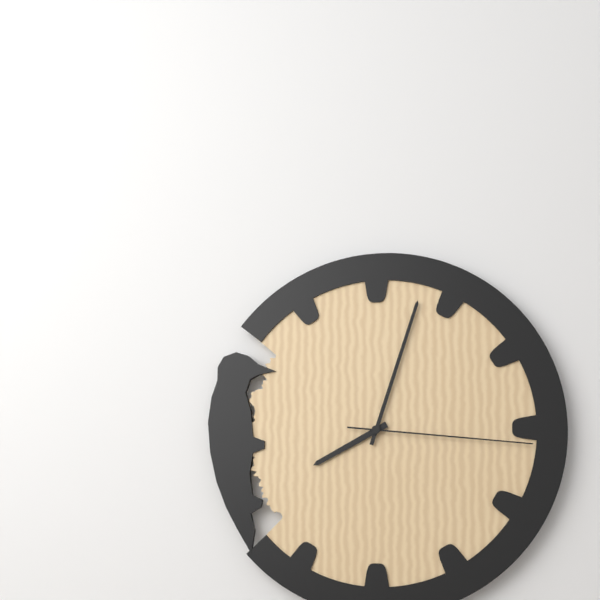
8.03.16
